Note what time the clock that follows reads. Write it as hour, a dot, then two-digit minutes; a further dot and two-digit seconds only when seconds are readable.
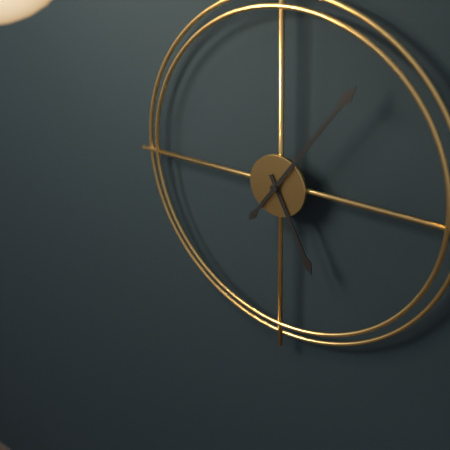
5.06
